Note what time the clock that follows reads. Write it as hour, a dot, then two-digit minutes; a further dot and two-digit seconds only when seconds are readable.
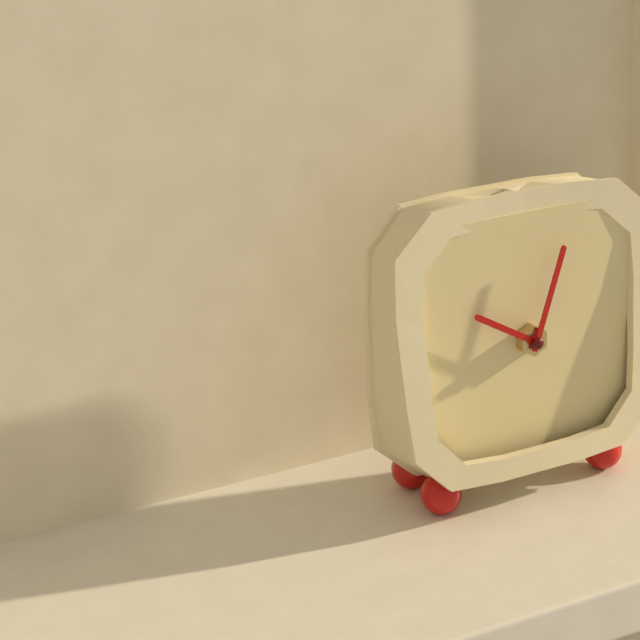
10.03
